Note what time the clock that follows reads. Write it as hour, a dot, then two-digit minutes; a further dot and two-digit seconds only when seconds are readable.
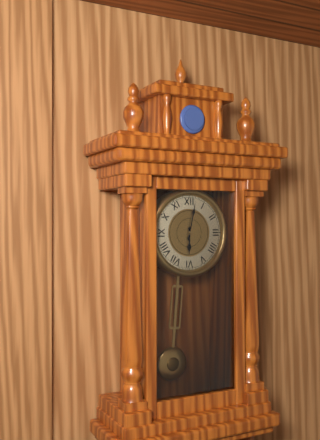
6.02
